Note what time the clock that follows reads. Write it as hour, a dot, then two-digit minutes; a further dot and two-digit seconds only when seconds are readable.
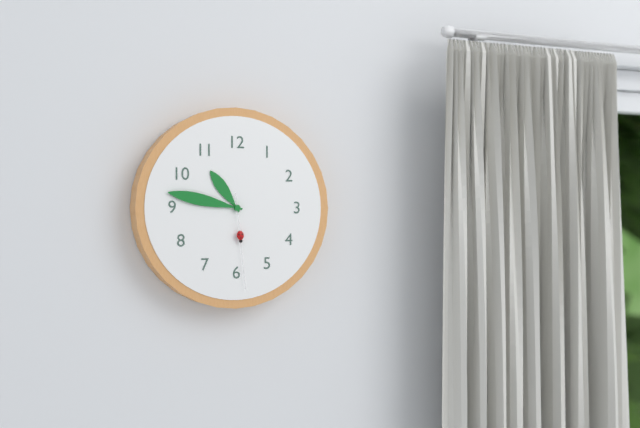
10.47.29
